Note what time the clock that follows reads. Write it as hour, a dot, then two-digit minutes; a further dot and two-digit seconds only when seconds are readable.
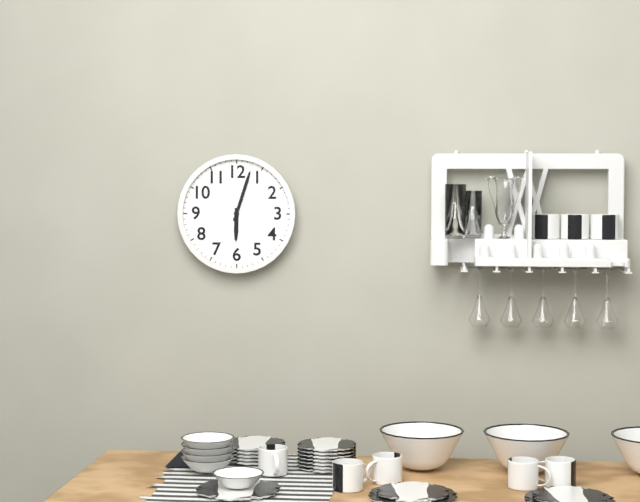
6.03
